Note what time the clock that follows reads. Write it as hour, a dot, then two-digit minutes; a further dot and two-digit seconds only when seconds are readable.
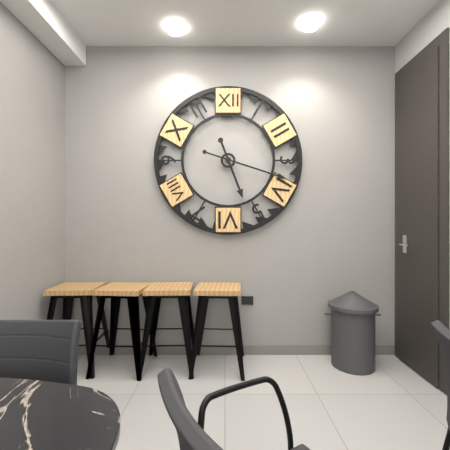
5.18
